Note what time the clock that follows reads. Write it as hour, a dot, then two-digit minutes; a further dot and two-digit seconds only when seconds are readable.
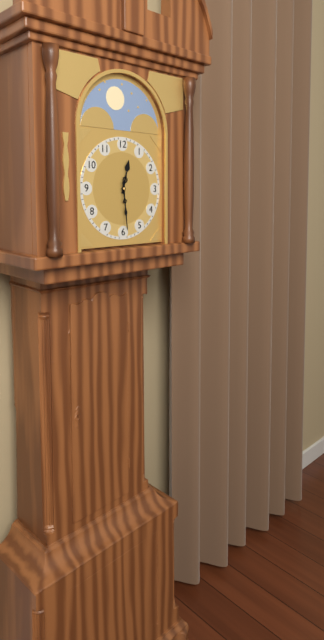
12.29
